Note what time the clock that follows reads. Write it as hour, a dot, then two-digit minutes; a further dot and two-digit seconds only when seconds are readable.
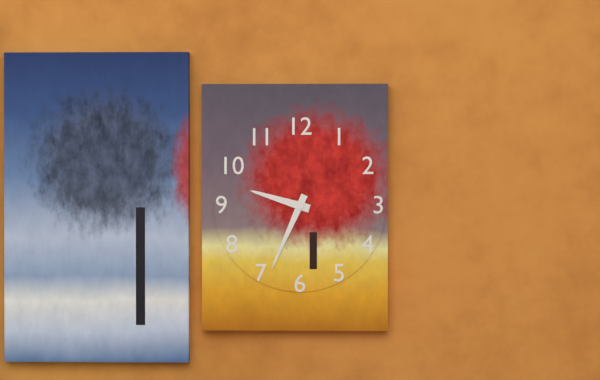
9.34
